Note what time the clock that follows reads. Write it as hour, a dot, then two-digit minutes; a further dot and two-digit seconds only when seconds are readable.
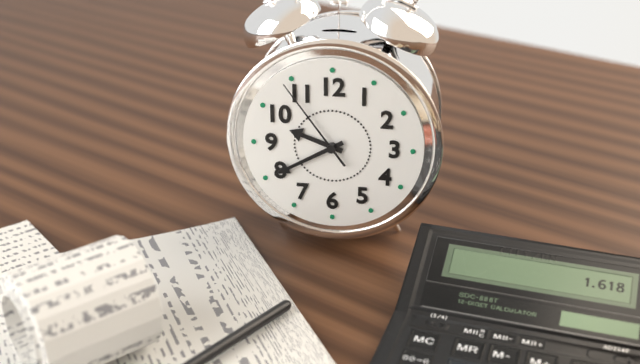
9.40.54
